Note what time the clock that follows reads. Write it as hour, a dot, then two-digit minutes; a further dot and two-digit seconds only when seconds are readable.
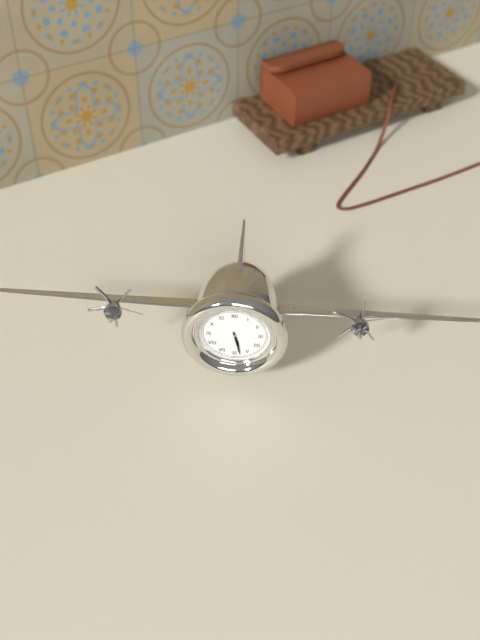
5.28
